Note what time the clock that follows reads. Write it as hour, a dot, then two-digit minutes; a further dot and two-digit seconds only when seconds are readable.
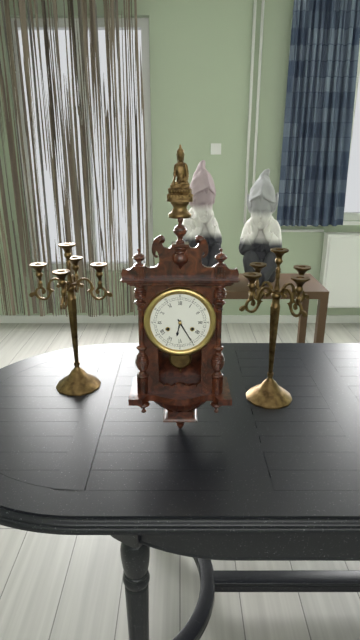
6.25
